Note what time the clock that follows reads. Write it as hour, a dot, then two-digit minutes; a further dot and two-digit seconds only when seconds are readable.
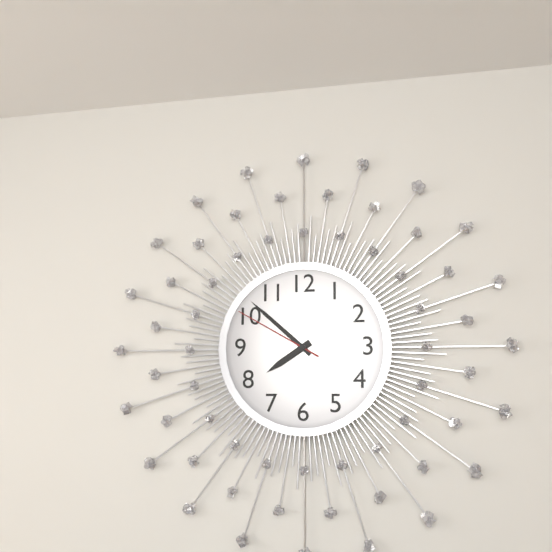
7.52.50
